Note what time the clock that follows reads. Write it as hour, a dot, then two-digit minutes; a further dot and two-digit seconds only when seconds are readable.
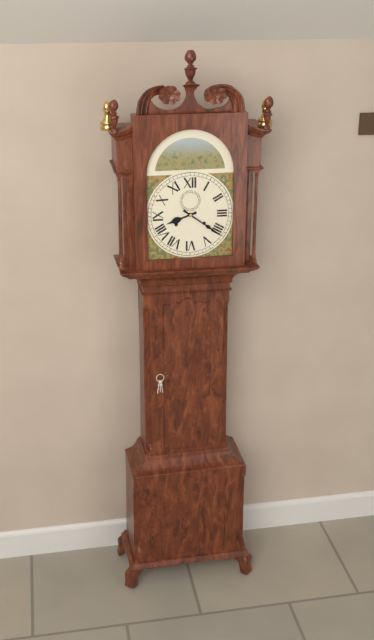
8.21
